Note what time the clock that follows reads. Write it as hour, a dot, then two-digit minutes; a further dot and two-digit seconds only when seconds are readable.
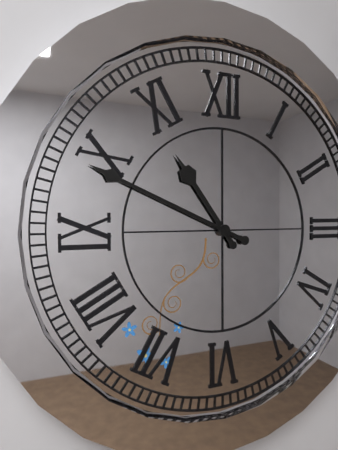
10.49
